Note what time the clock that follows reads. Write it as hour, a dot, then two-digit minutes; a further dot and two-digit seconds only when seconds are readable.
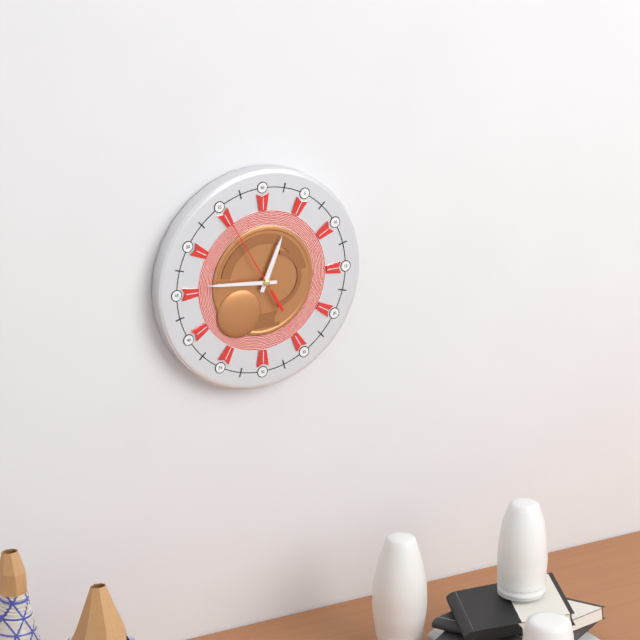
12.46.55
